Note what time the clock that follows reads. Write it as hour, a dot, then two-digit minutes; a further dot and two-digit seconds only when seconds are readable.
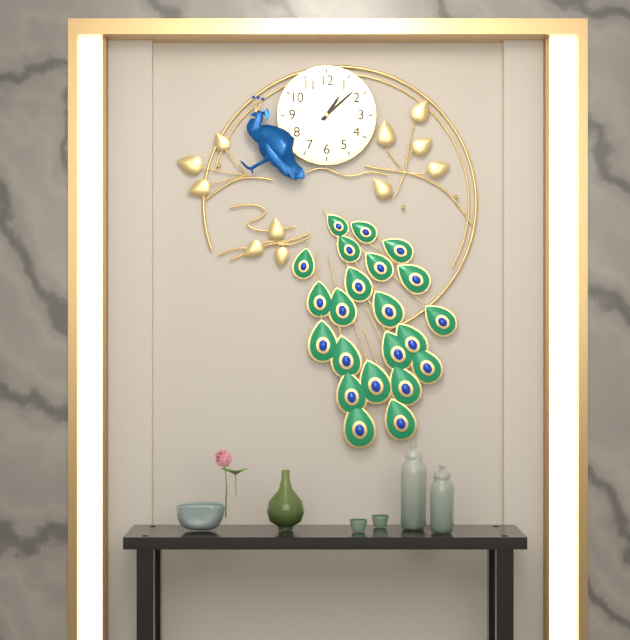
1.08
